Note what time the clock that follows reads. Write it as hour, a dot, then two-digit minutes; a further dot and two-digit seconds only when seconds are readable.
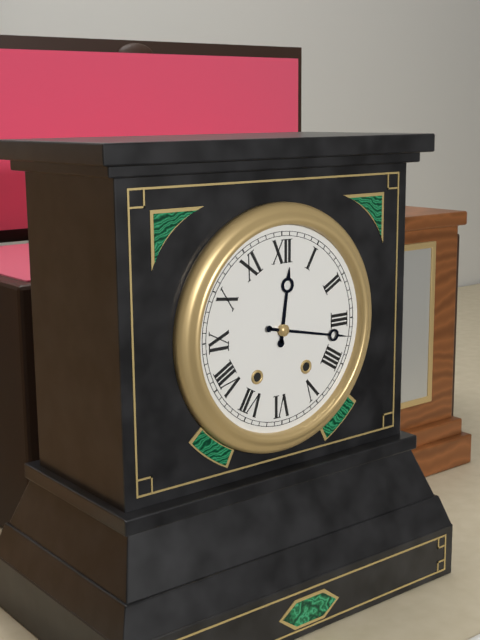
12.17
